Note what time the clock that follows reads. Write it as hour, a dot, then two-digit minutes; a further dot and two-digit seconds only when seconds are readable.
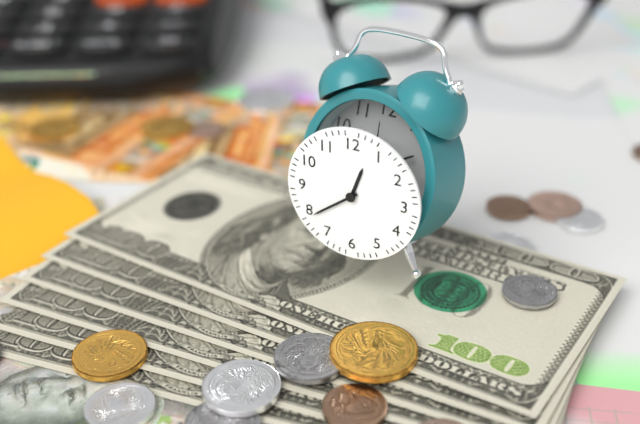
12.39
